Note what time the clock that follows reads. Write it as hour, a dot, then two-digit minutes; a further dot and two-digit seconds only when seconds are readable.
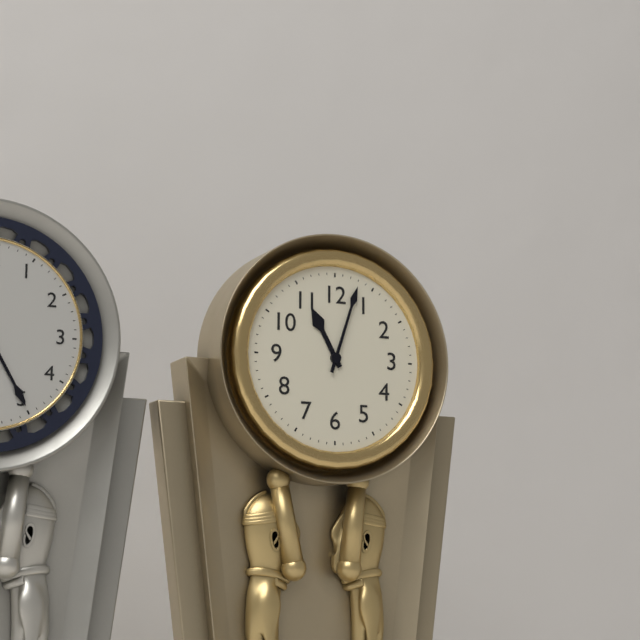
11.03
